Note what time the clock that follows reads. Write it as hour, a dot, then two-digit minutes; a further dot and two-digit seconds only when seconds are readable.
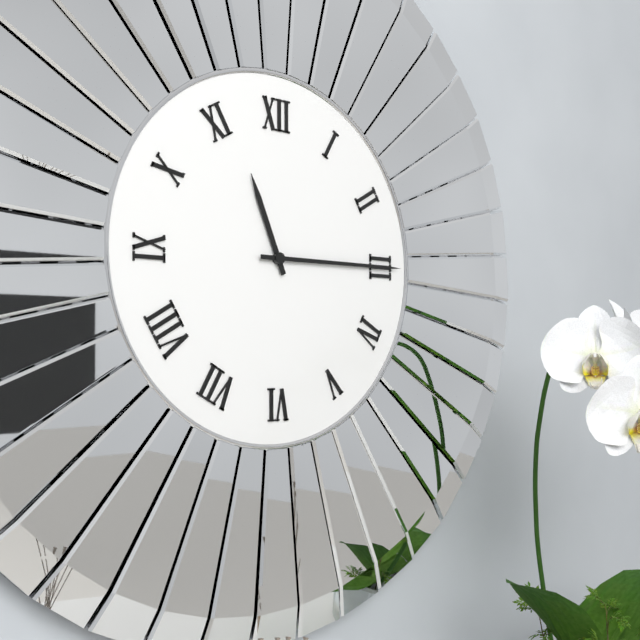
11.15
